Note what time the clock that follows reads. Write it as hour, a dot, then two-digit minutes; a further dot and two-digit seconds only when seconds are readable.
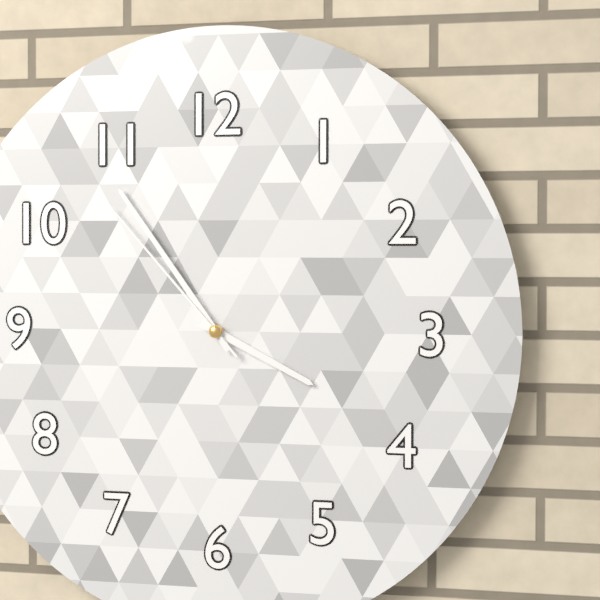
3.54.53
